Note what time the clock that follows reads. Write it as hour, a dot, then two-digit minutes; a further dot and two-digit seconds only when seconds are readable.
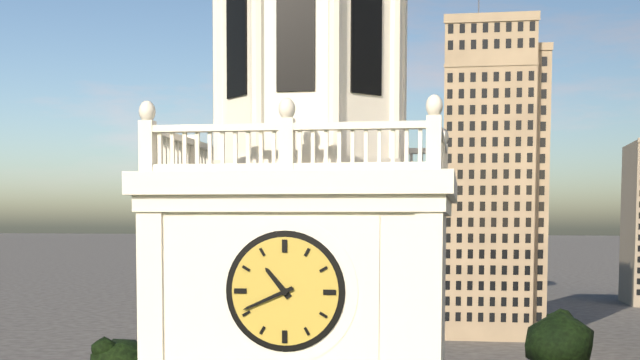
10.41
